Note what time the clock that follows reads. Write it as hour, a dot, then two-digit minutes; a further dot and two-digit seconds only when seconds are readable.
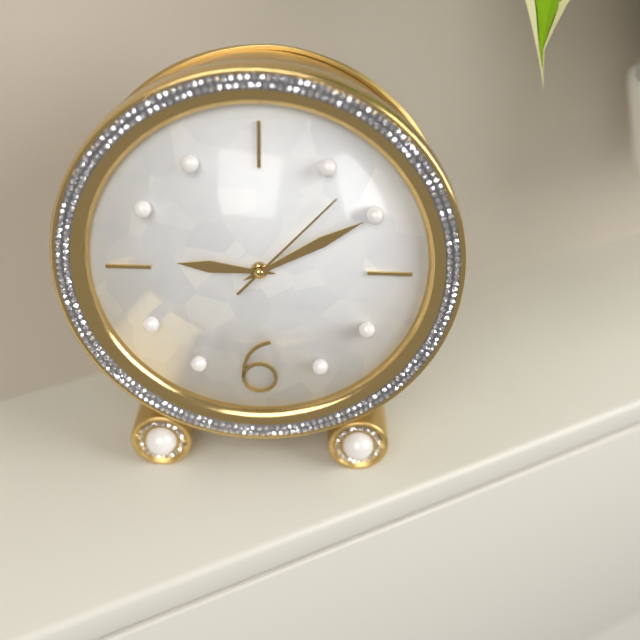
9.10.07
